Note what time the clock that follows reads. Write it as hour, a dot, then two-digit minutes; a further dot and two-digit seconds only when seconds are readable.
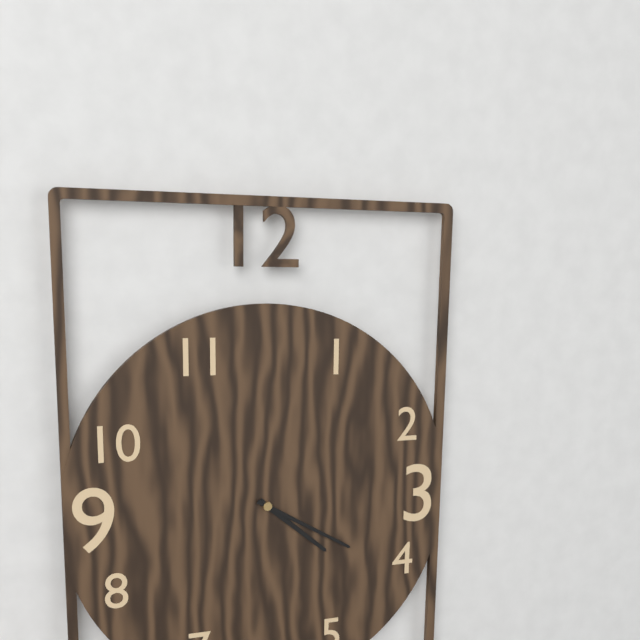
4.20
